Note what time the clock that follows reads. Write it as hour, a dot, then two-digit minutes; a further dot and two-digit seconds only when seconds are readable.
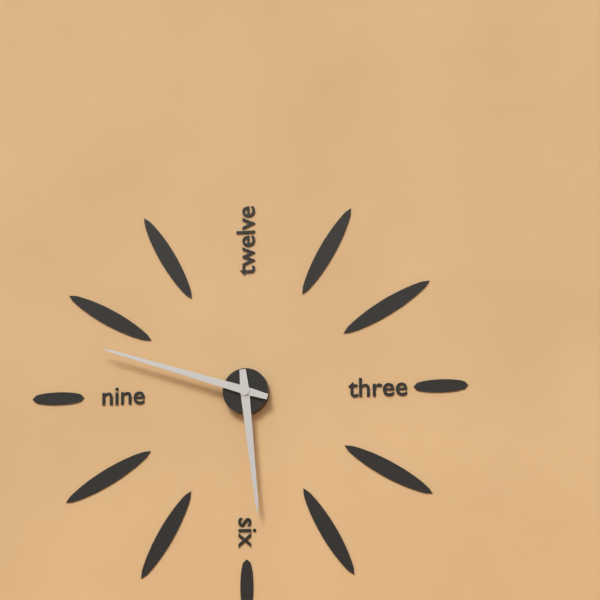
5.48
